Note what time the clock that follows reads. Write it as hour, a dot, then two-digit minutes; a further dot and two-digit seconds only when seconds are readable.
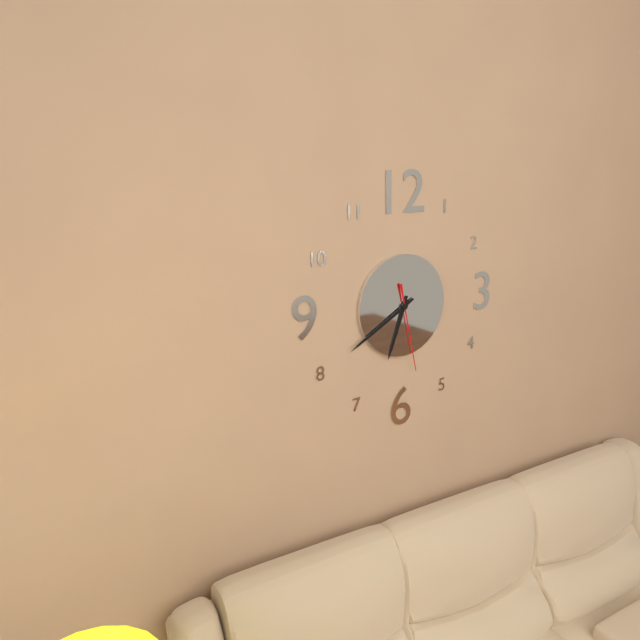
6.40.28
